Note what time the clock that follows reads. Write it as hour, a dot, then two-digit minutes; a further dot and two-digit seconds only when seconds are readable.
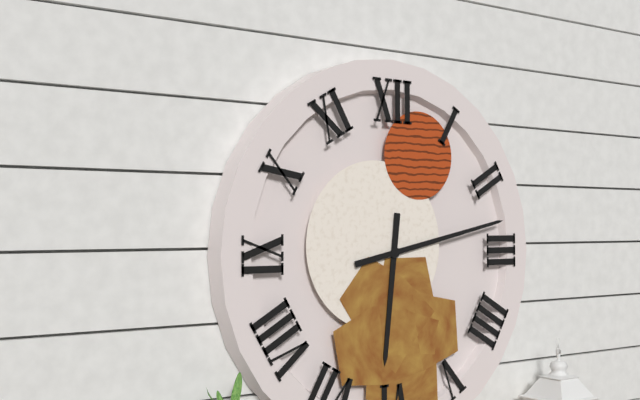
6.13
